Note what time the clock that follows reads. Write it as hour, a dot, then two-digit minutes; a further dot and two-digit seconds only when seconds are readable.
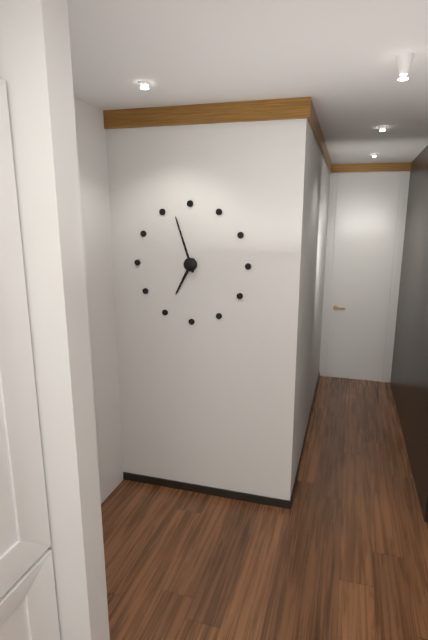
6.57
